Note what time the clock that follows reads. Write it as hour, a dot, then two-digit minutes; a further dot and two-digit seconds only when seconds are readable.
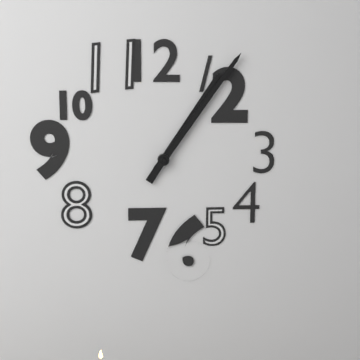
1.06
